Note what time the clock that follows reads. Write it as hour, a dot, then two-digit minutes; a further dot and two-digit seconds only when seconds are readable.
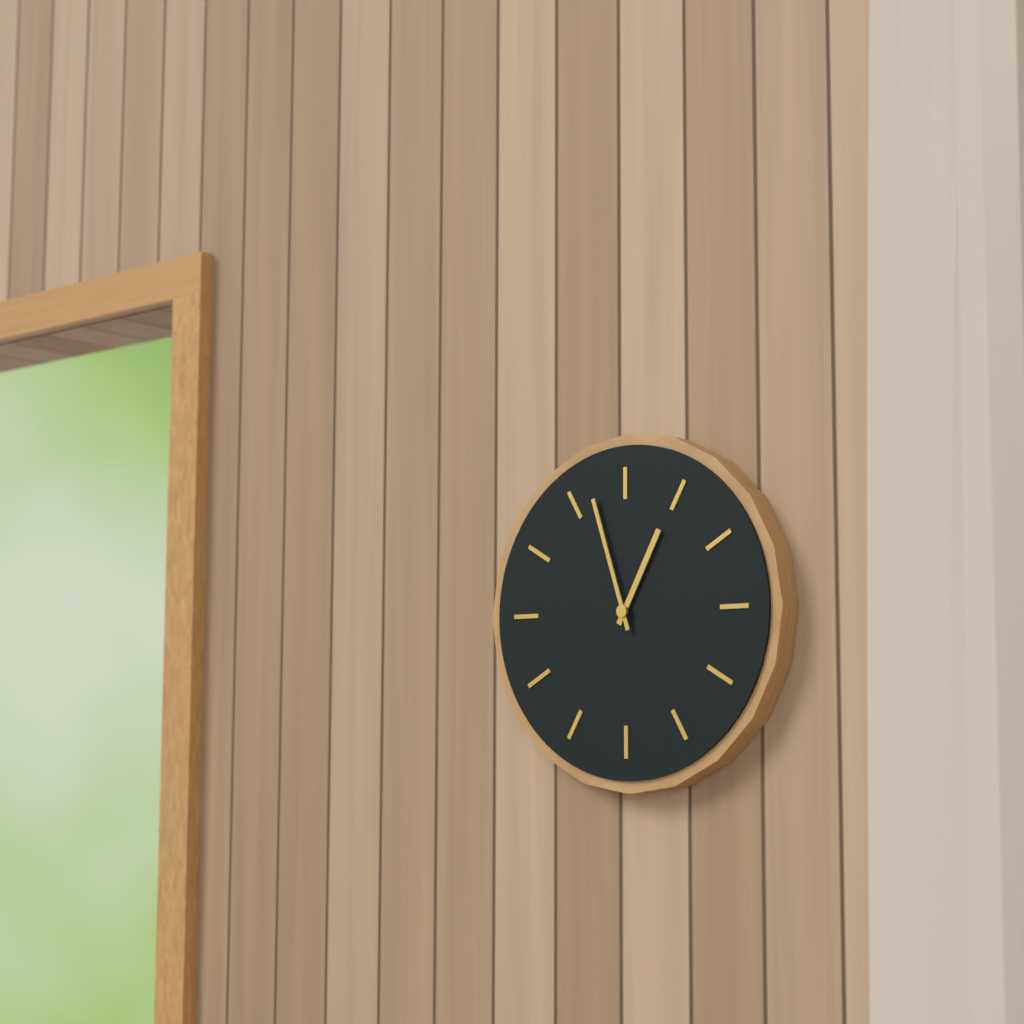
12.57
